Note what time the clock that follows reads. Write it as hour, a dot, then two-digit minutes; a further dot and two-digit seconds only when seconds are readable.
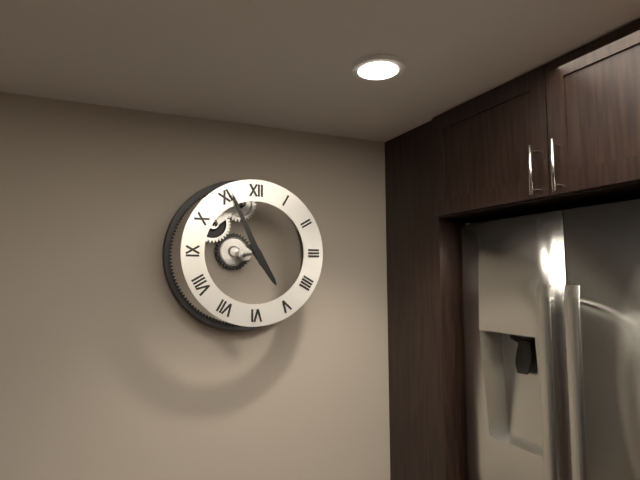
4.56
